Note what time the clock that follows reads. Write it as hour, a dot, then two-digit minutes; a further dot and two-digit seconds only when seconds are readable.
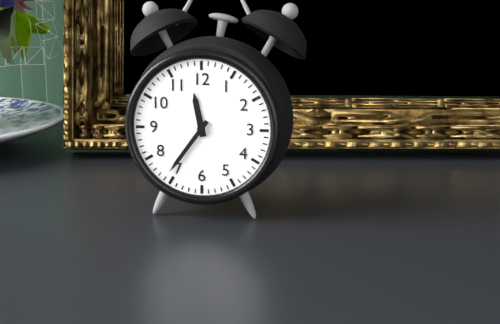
11.36
